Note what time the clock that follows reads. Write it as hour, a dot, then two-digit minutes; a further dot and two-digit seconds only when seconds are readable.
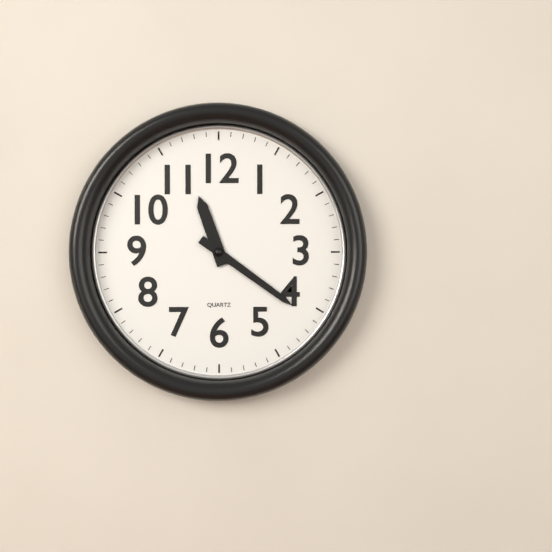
11.21
